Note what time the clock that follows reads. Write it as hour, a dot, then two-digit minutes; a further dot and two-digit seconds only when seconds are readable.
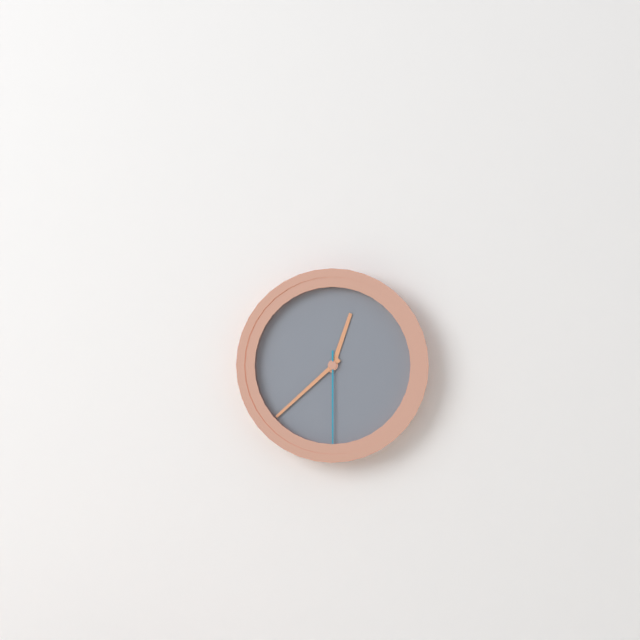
12.38.30
